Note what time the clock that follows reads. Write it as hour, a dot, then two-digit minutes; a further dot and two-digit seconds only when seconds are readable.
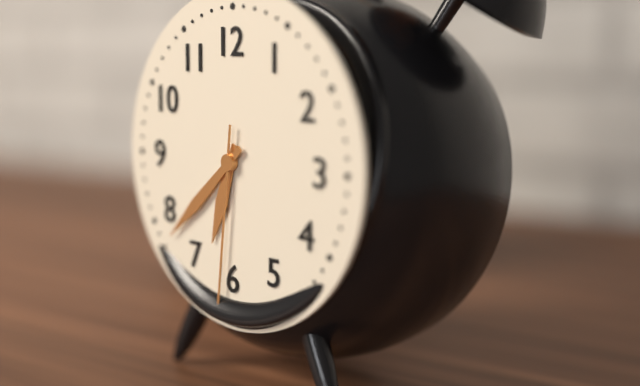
6.38.31
